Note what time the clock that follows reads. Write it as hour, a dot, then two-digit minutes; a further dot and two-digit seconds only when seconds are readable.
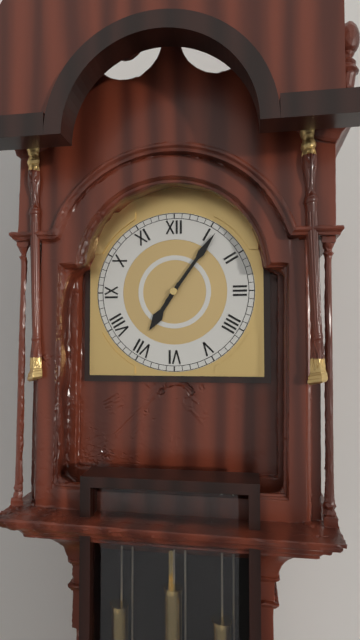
7.06
